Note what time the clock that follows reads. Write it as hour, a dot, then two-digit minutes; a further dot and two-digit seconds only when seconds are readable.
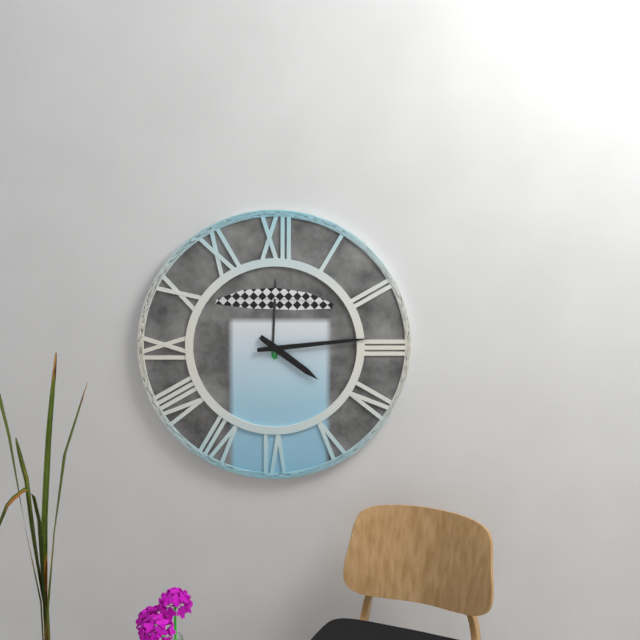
4.14
